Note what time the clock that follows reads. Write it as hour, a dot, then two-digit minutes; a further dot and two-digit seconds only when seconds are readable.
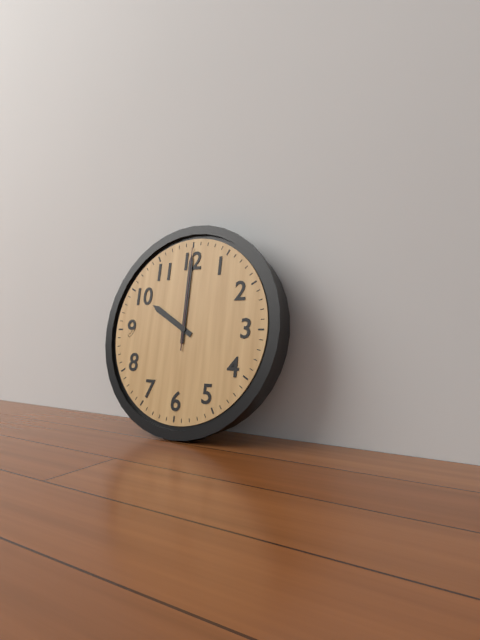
10.00.00
